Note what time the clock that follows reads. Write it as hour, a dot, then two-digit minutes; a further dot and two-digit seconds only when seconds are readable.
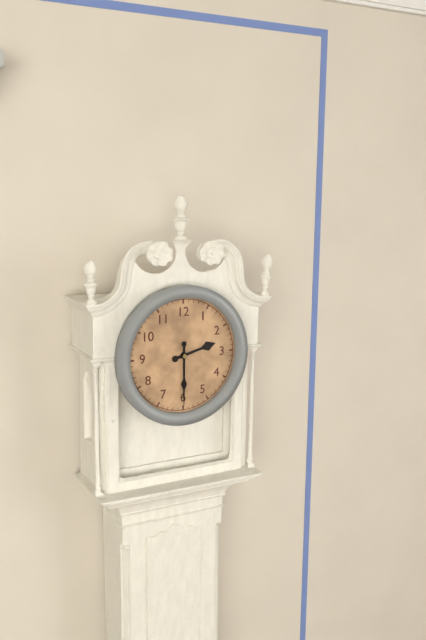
2.30
